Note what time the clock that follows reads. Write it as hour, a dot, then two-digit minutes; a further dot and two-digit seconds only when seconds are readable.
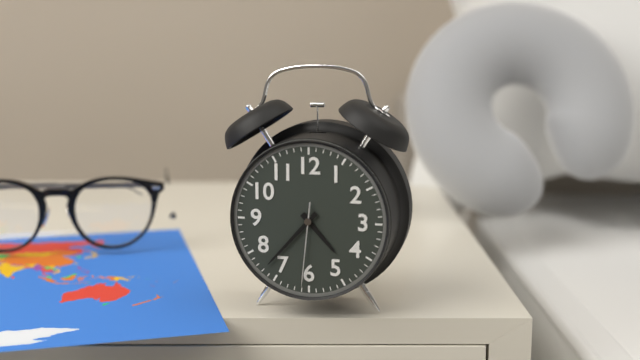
4.37.31
